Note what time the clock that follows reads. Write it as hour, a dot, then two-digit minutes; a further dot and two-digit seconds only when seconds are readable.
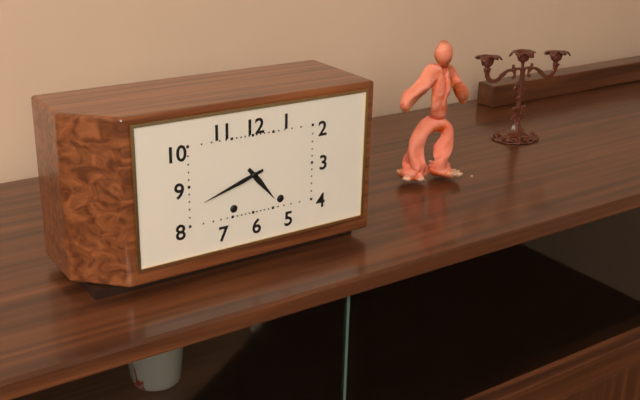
4.42
